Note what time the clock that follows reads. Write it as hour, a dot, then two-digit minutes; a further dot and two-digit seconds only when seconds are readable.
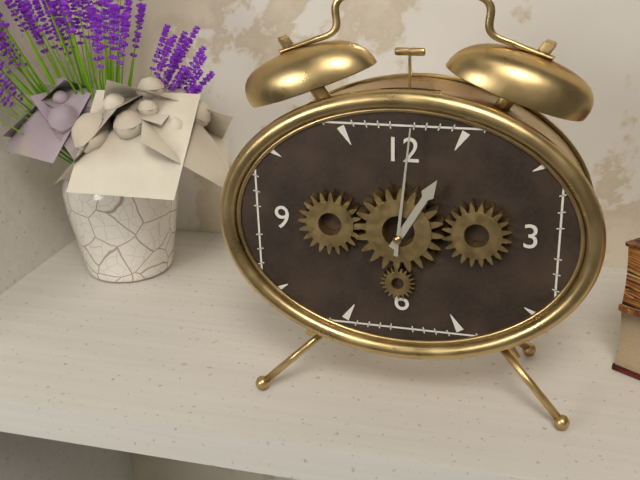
1.01
